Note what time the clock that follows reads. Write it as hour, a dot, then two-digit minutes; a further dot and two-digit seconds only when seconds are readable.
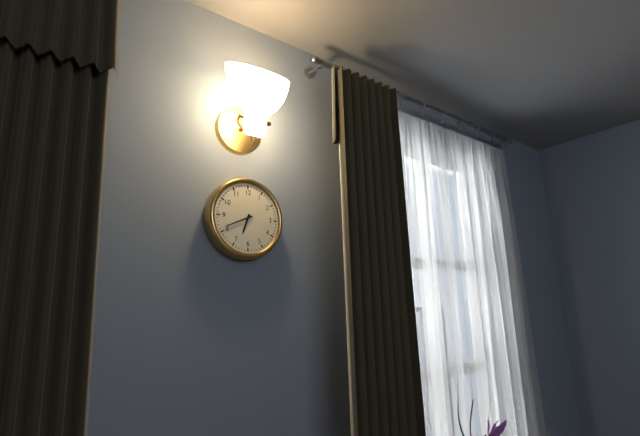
6.41
